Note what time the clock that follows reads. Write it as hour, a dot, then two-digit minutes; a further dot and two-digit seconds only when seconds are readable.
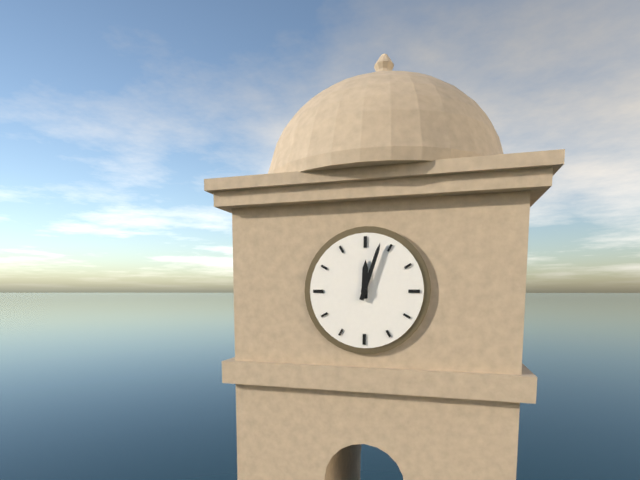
12.03
